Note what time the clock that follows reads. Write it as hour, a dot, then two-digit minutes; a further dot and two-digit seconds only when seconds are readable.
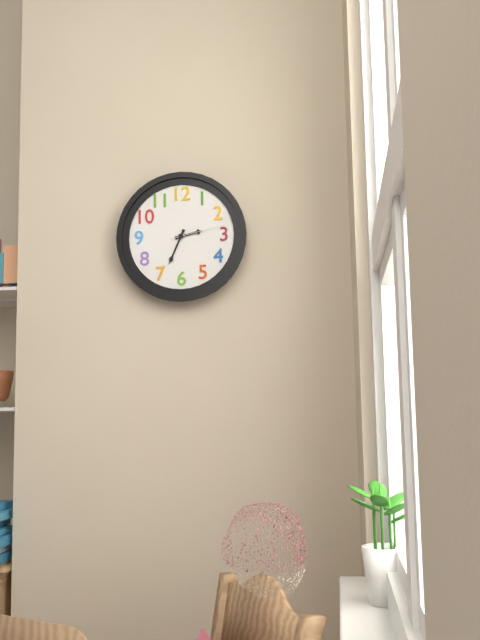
2.34.13
